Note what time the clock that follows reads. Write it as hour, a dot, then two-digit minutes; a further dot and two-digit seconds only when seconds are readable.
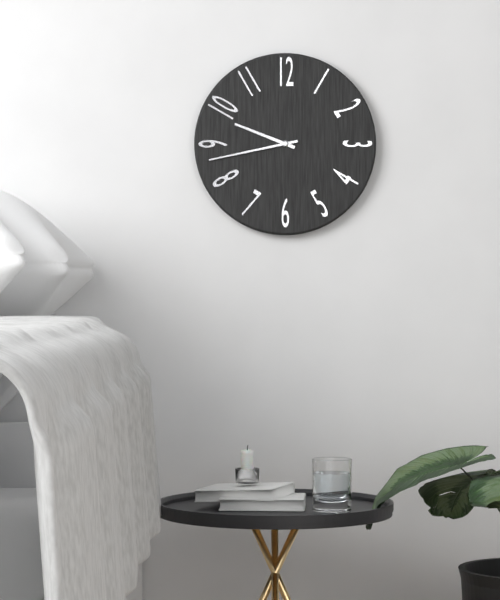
9.43
